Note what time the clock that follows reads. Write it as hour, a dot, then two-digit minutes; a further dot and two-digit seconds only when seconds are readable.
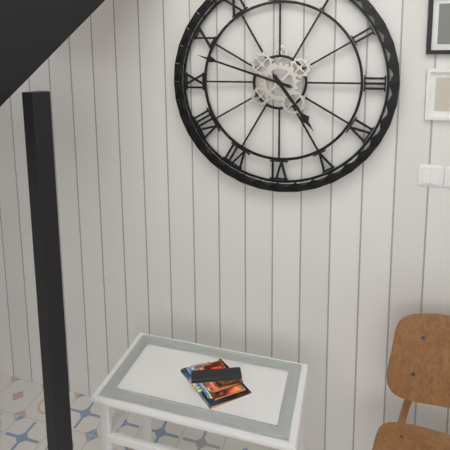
4.48
